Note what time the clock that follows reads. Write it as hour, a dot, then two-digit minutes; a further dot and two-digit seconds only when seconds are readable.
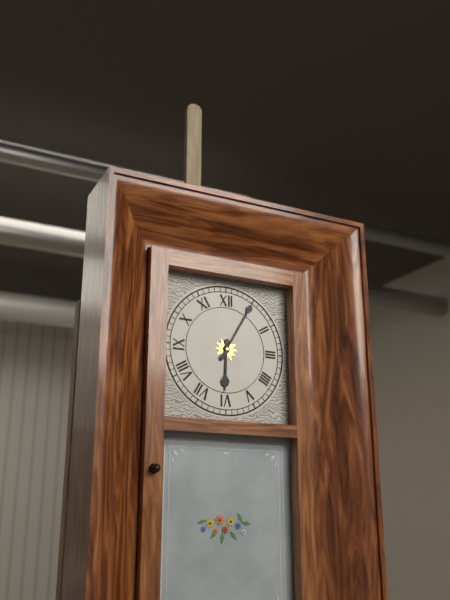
6.05
